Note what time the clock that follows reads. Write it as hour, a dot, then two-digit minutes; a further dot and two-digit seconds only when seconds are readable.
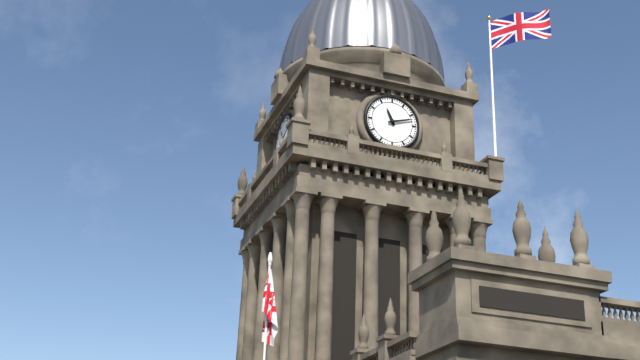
11.12
